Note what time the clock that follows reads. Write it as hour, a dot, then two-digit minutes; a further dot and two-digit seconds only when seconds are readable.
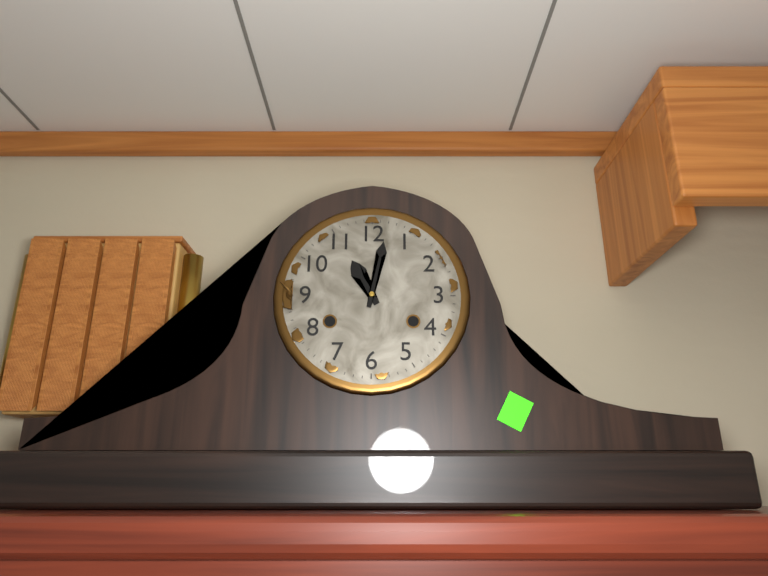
11.02
